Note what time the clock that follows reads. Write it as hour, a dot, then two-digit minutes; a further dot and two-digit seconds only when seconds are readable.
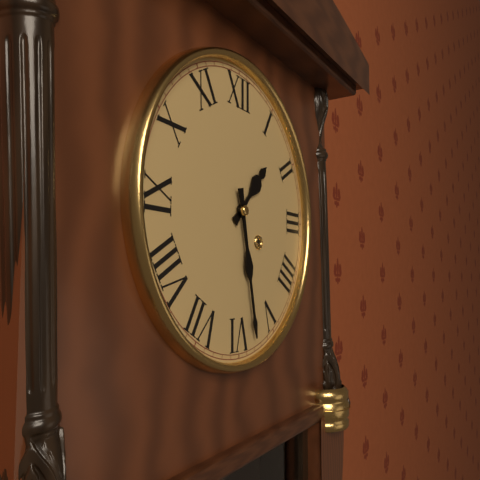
1.28
